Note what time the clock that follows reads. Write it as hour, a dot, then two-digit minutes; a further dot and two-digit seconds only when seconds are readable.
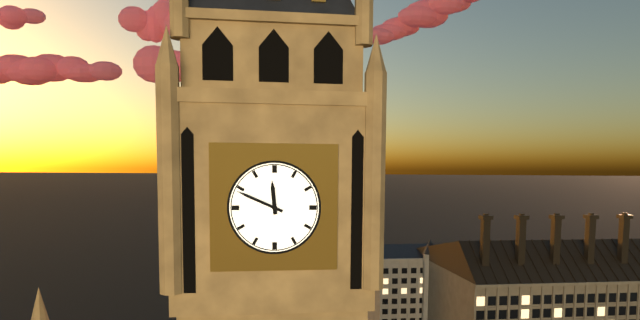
11.49
